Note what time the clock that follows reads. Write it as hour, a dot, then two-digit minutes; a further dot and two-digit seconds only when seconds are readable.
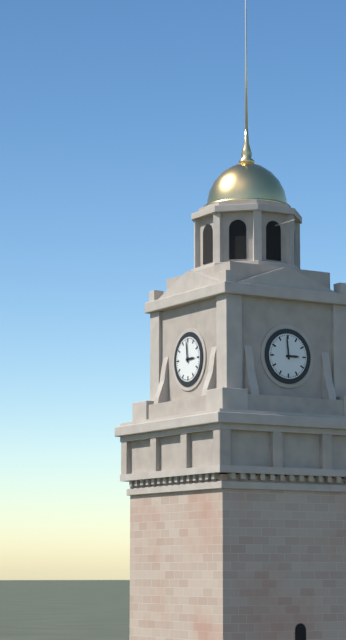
2.59
